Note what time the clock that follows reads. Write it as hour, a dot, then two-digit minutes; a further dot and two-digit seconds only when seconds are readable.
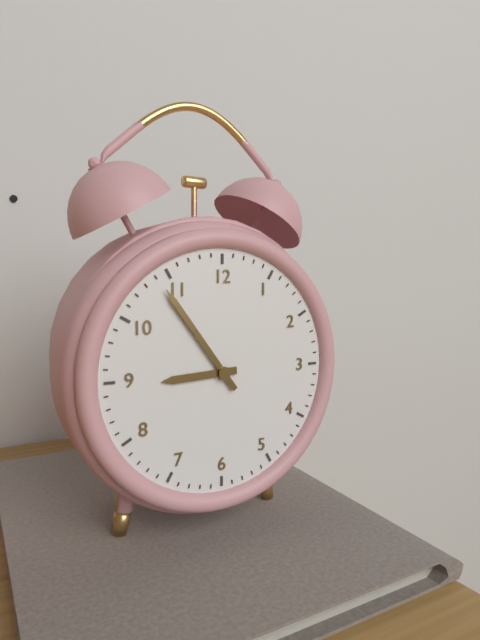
8.54
